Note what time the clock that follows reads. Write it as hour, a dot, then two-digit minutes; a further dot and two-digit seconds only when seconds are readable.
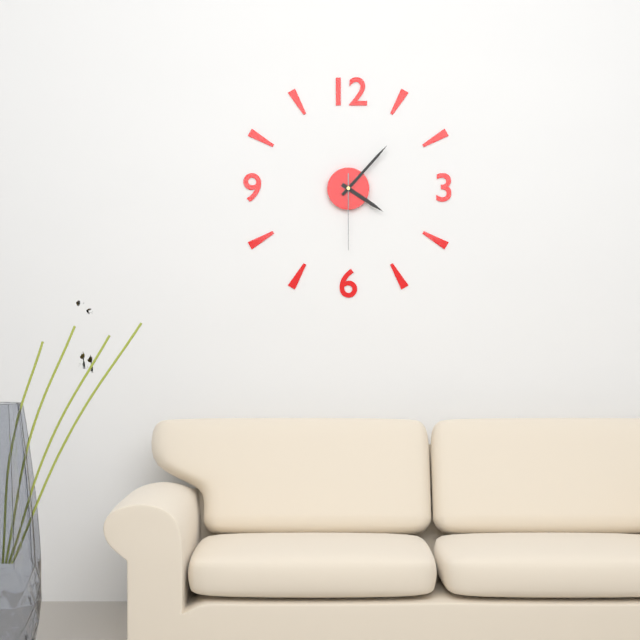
4.07.30
